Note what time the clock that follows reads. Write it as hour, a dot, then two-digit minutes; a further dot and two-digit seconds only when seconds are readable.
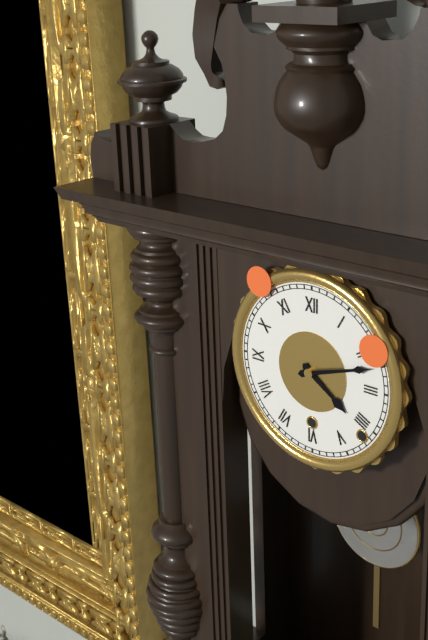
4.12
